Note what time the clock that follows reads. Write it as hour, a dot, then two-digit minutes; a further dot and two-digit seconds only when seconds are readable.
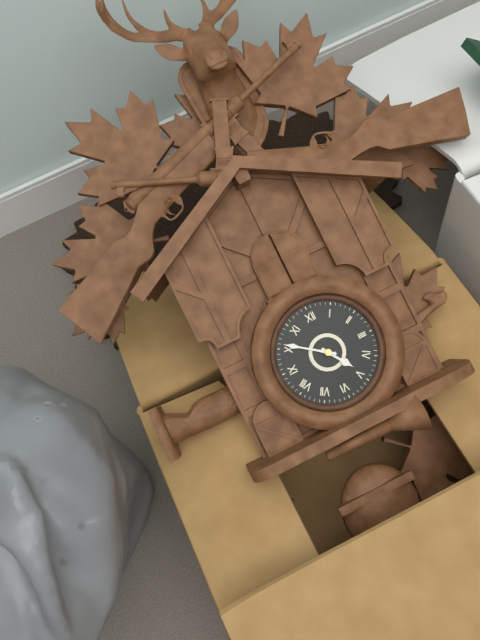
4.51
